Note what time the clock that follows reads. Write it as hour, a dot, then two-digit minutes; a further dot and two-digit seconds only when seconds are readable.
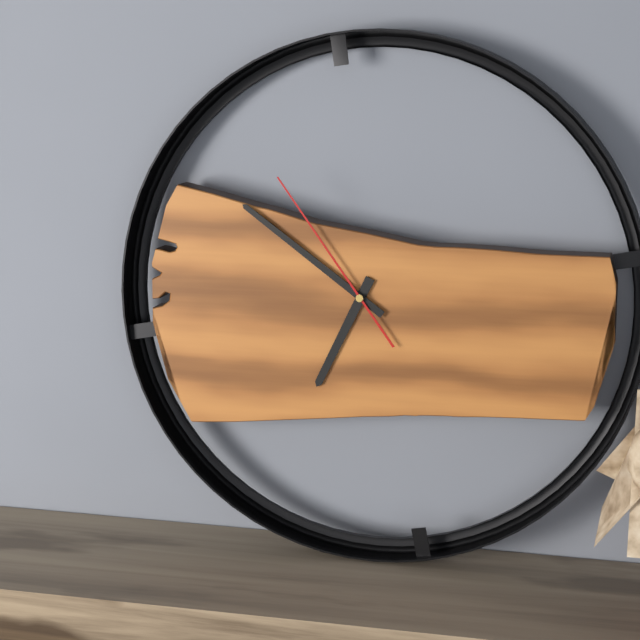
6.51.54
